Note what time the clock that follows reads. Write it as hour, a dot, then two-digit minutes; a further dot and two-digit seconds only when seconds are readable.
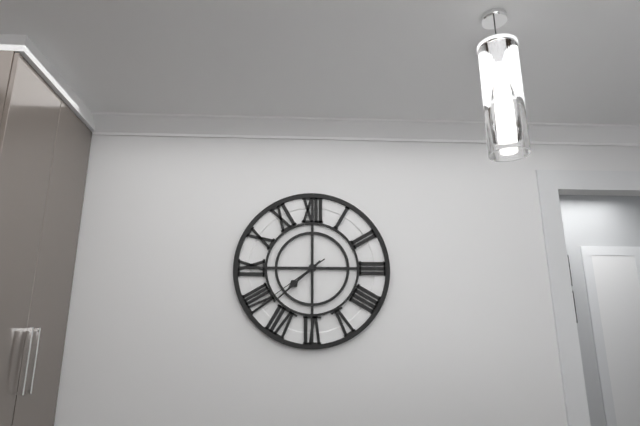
7.38.39
